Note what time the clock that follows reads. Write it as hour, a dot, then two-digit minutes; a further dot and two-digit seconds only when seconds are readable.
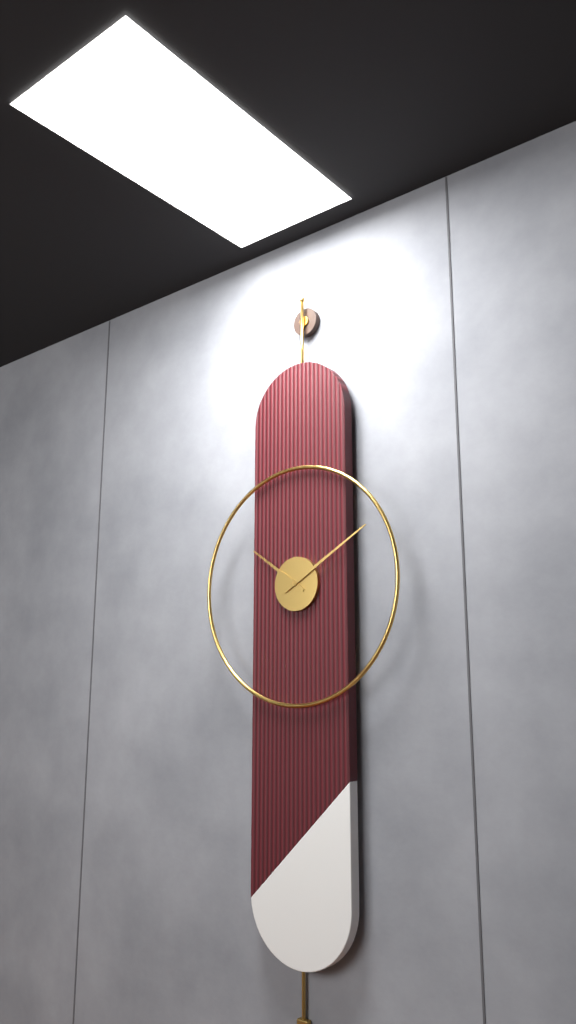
10.10
